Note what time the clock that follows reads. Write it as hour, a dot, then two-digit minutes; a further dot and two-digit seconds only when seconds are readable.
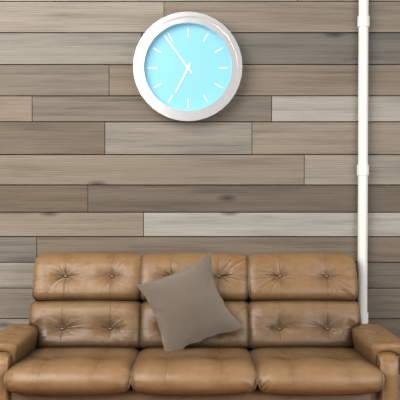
6.54
